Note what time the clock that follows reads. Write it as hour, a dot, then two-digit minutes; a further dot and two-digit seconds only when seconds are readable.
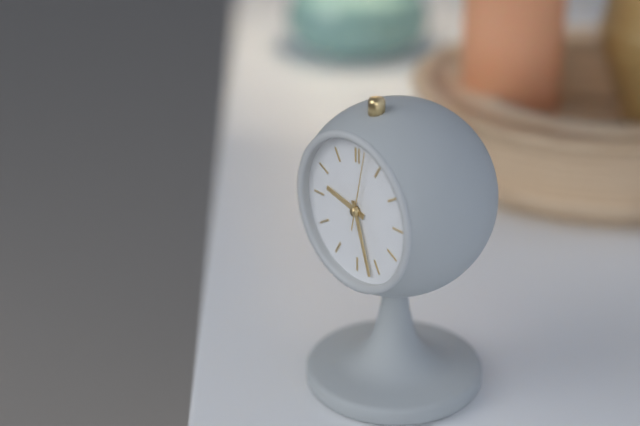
9.27.02
